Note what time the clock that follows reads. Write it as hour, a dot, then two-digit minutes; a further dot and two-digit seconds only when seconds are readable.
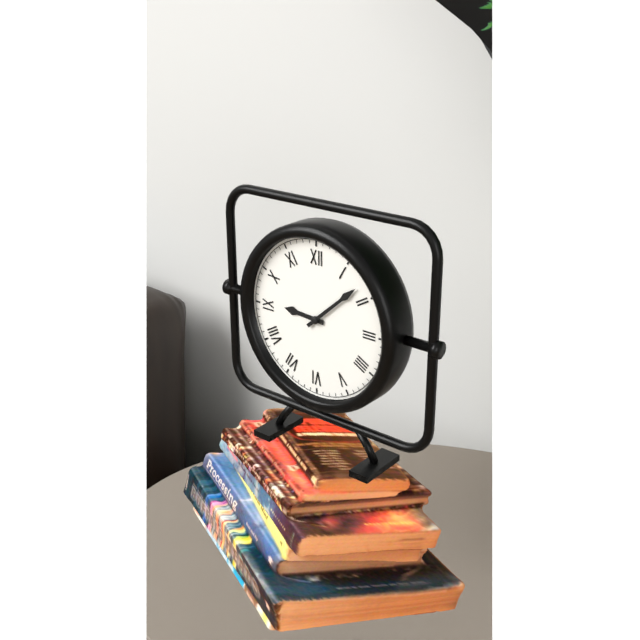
9.08
